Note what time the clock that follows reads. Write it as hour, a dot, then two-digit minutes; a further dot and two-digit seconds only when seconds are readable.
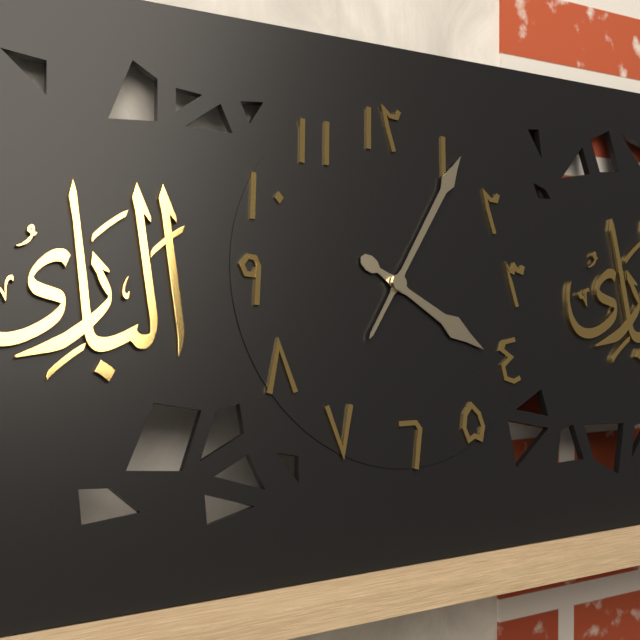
4.06
